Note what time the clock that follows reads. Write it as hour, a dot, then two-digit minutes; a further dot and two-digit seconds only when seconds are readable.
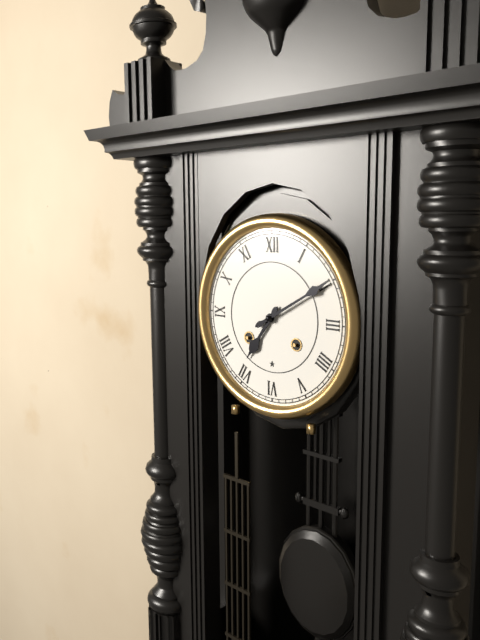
7.10
